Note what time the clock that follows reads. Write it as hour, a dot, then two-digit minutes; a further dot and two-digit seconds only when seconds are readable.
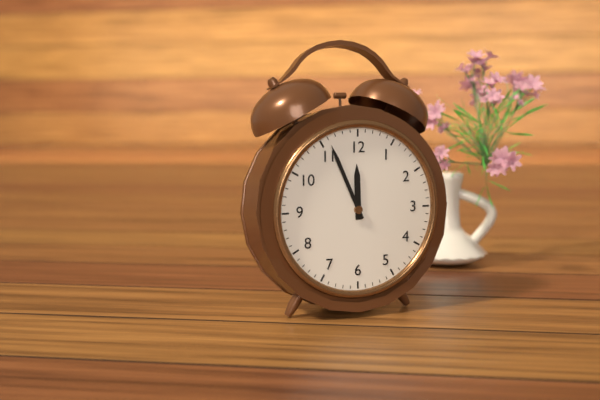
11.56
